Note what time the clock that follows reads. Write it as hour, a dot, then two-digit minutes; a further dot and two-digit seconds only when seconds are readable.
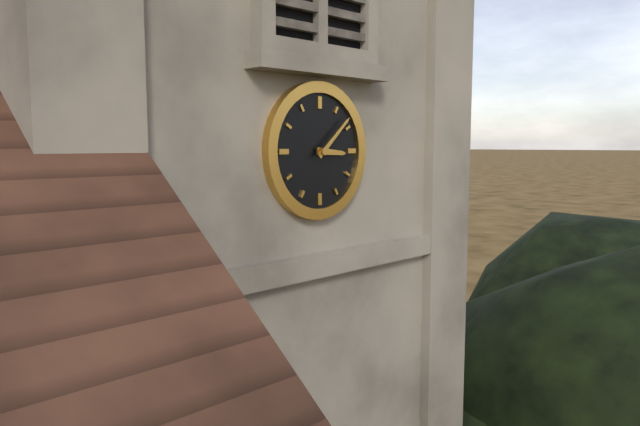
3.08
